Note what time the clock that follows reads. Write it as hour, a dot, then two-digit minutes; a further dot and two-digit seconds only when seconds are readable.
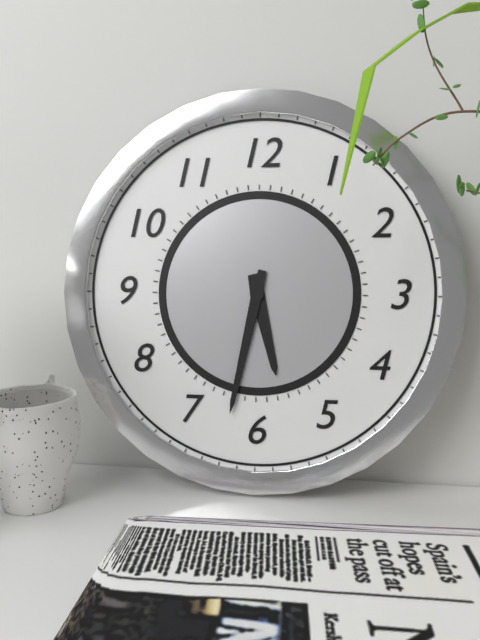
5.32
